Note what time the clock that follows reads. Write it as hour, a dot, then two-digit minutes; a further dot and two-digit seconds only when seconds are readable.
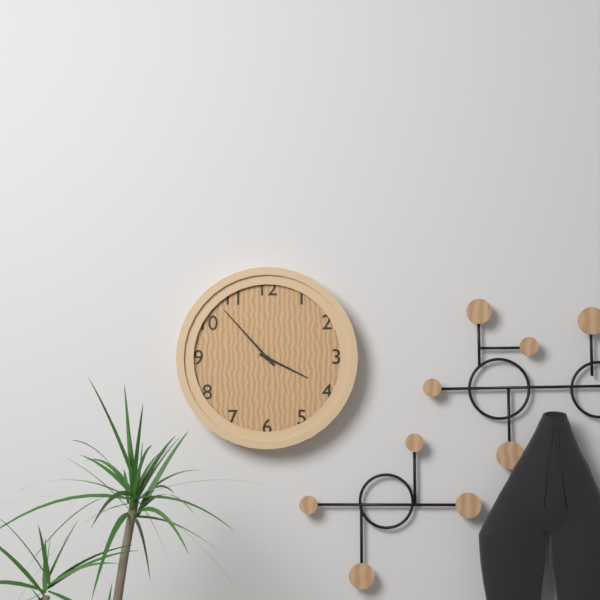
3.53
